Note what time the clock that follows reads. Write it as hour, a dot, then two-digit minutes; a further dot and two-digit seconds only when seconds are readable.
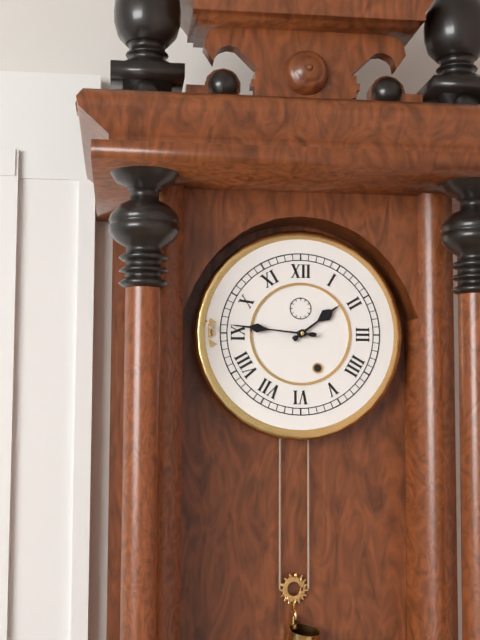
1.46
